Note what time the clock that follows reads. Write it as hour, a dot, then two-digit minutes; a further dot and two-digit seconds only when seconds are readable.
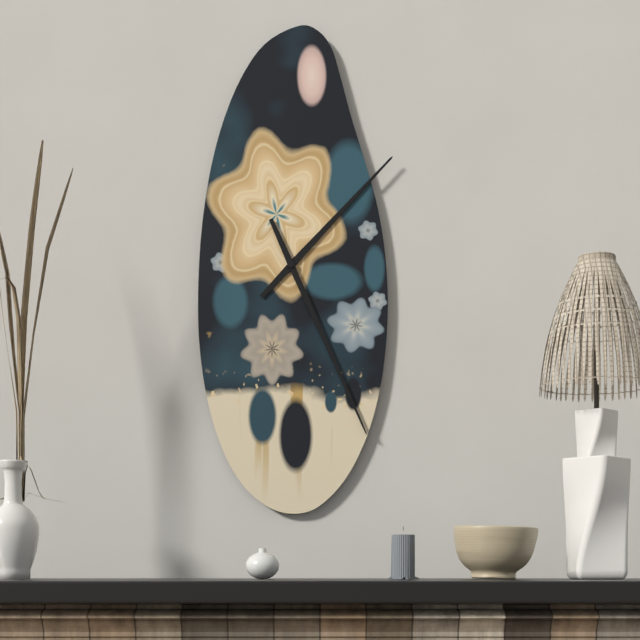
1.26
